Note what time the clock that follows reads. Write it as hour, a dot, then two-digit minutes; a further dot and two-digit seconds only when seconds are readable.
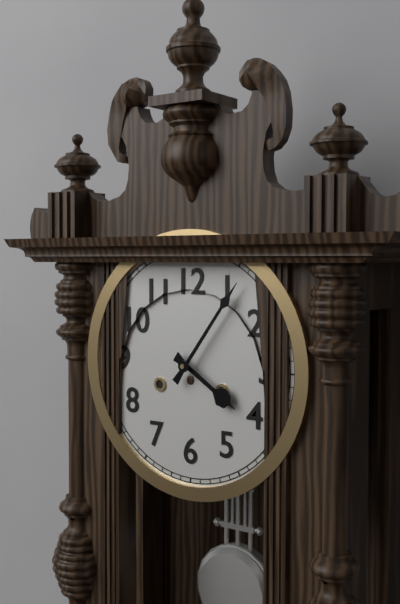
4.06
